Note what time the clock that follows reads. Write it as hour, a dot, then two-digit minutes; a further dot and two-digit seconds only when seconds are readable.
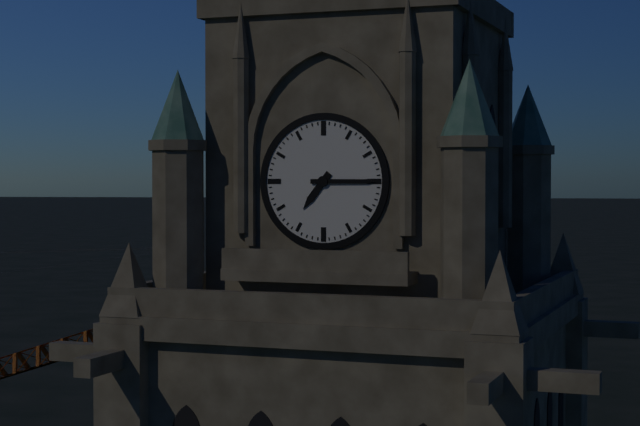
7.15
